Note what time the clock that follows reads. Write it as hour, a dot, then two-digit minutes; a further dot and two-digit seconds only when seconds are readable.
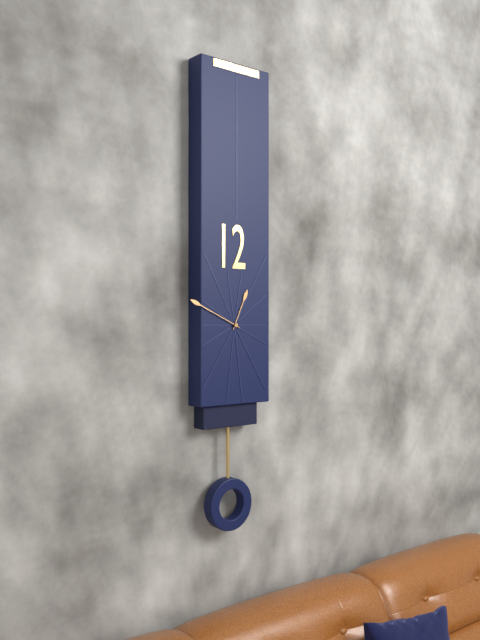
12.49
